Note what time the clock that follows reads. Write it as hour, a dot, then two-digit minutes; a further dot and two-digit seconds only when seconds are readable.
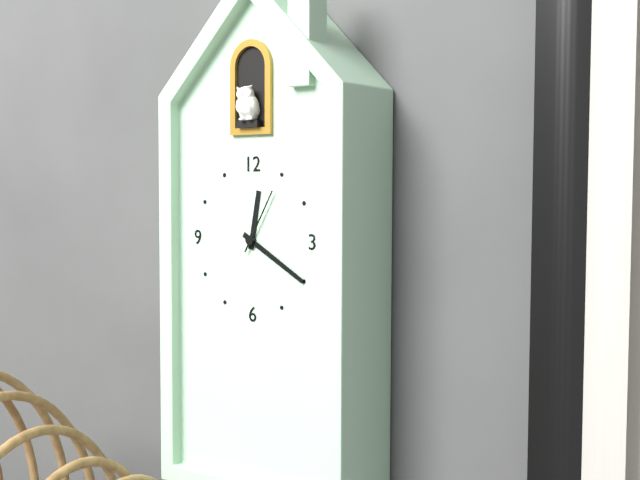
12.20.05
